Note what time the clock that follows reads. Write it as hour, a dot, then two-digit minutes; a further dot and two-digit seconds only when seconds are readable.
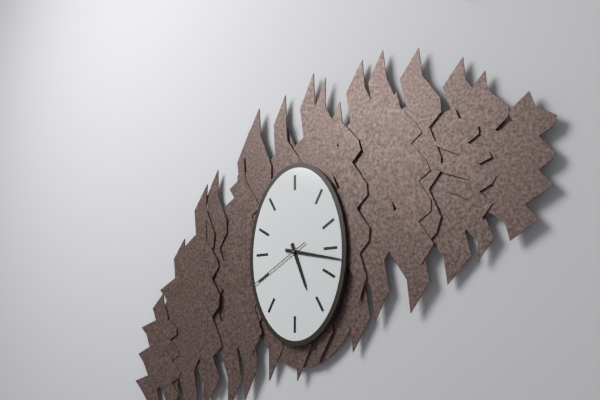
5.17.40
